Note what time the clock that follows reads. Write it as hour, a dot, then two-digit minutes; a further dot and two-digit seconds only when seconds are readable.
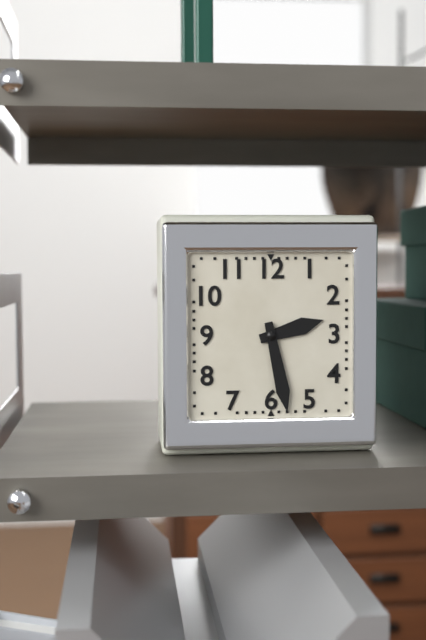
2.28
